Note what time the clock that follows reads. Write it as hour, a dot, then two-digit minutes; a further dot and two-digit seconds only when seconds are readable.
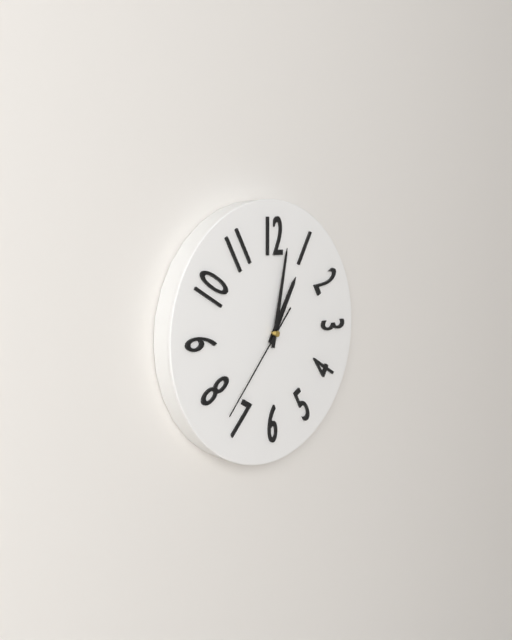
1.02.37
